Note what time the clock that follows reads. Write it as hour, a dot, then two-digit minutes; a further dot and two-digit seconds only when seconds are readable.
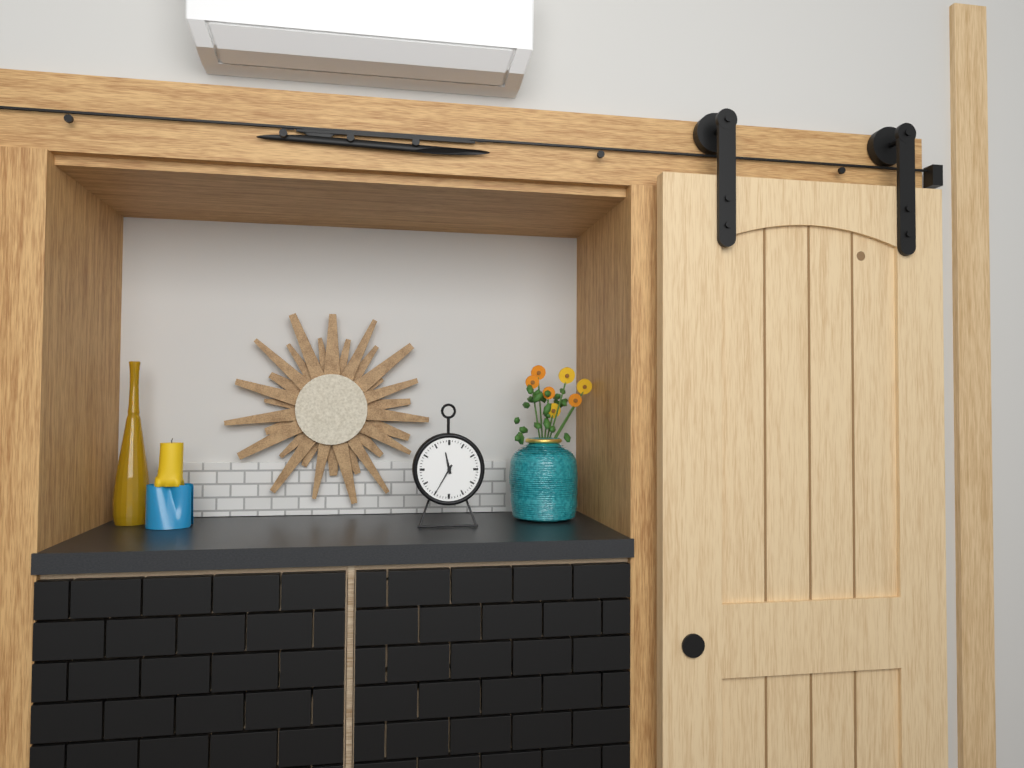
11.35
